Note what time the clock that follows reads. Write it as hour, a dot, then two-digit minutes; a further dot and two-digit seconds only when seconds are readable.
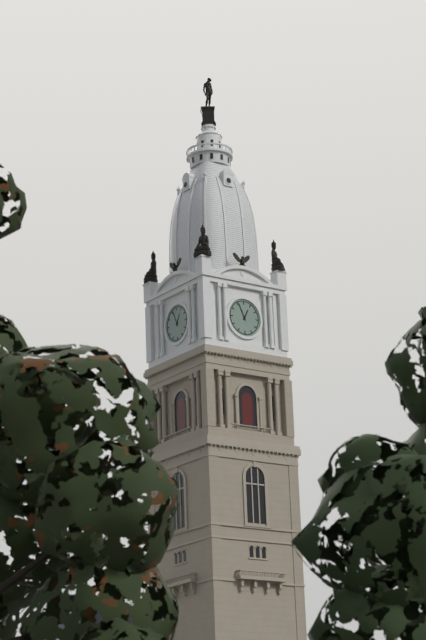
12.56
